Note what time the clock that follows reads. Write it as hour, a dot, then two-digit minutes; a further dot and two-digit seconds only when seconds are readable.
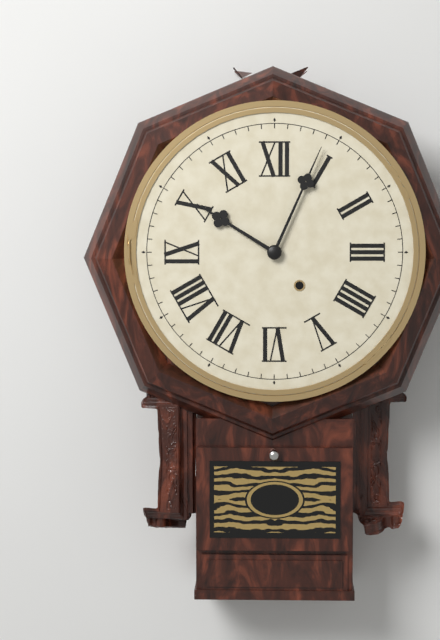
10.04
